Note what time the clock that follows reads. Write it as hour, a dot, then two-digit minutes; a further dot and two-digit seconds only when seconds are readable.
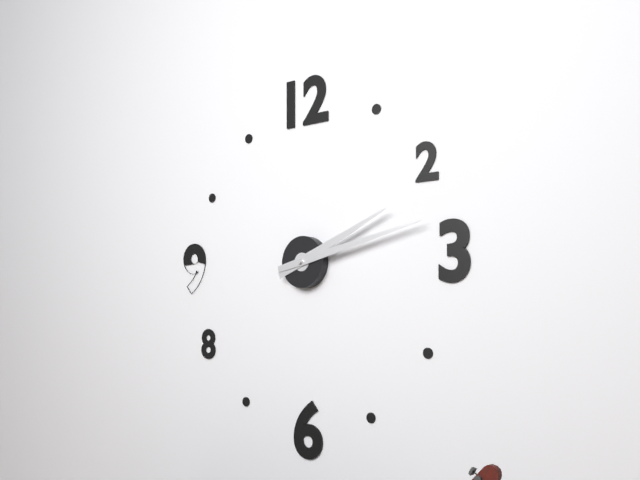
2.13
